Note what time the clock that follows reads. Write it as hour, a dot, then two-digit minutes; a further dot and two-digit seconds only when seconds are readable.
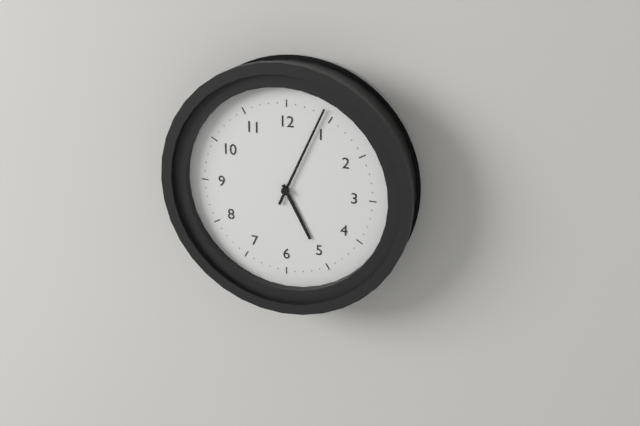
5.04
